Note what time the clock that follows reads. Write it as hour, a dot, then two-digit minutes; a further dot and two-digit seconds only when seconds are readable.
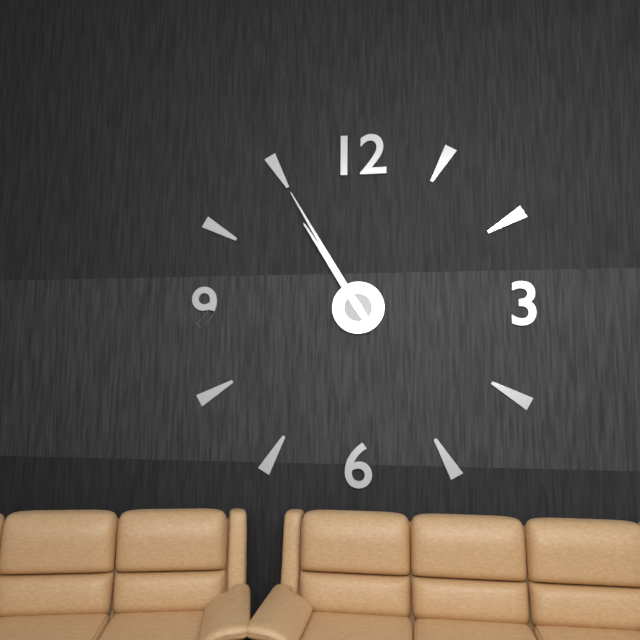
10.55
